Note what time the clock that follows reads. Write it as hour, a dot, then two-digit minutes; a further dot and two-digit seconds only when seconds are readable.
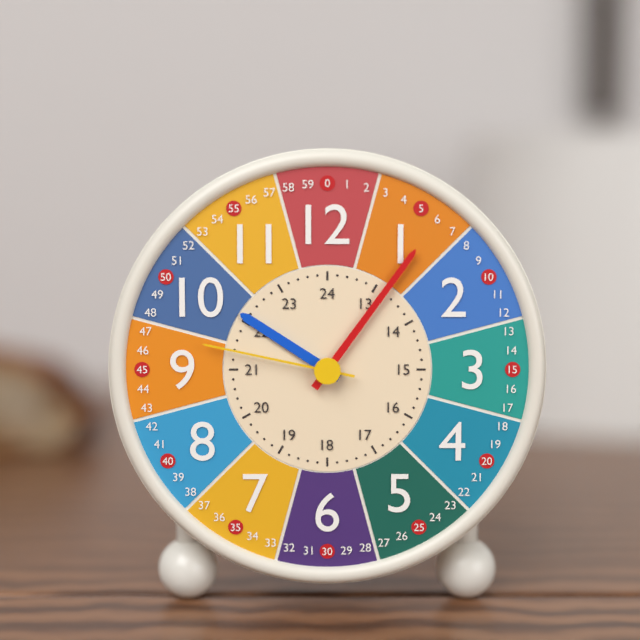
10.06.47
